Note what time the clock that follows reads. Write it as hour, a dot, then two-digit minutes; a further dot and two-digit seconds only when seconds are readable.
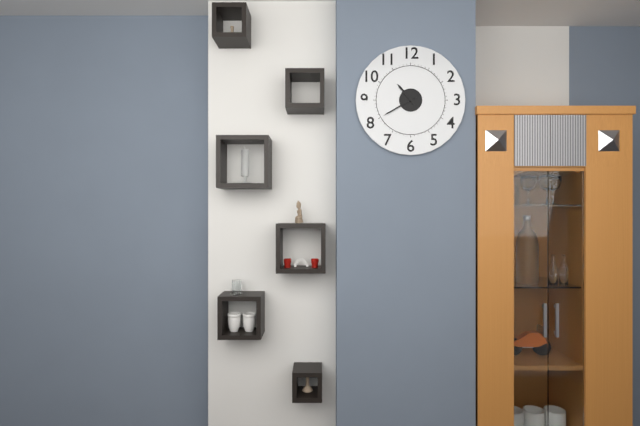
10.40
